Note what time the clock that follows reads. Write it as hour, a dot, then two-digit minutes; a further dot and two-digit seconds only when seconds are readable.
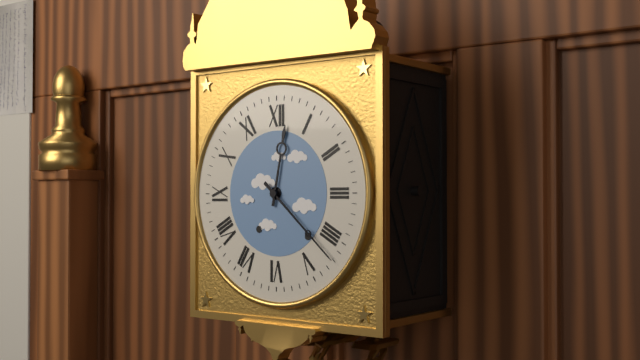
12.22
